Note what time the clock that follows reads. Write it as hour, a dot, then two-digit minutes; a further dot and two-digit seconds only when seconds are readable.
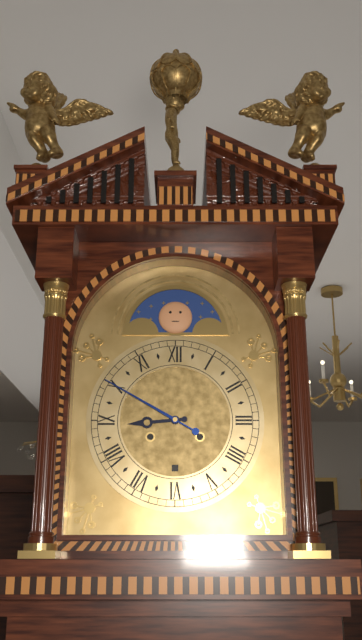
8.50
